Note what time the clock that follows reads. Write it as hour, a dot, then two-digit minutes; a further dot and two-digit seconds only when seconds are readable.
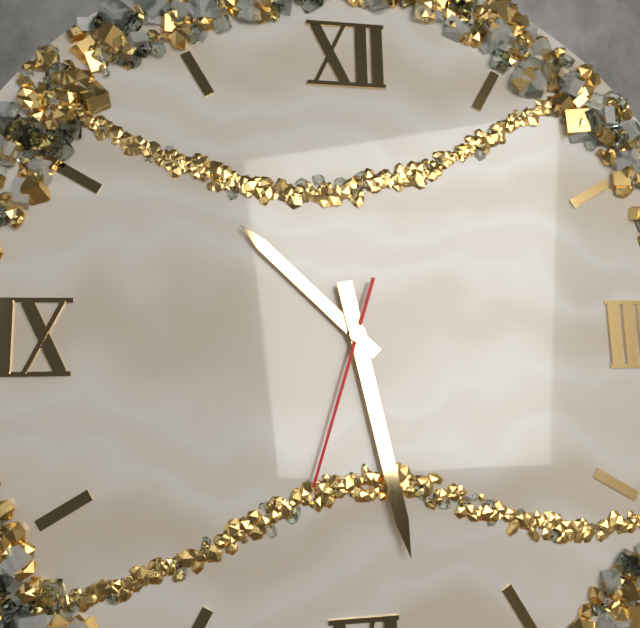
10.28.33
